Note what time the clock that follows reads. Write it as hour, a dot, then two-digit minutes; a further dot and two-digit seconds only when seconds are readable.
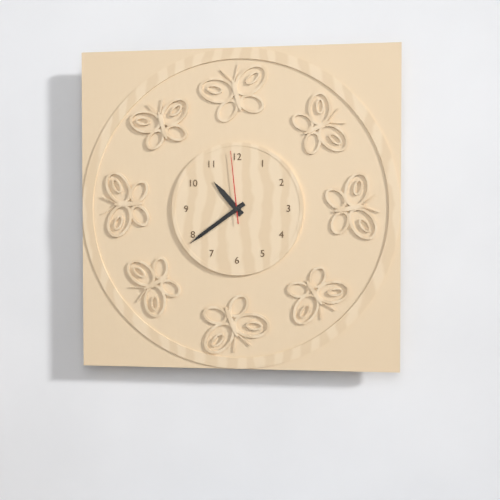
10.39.59
